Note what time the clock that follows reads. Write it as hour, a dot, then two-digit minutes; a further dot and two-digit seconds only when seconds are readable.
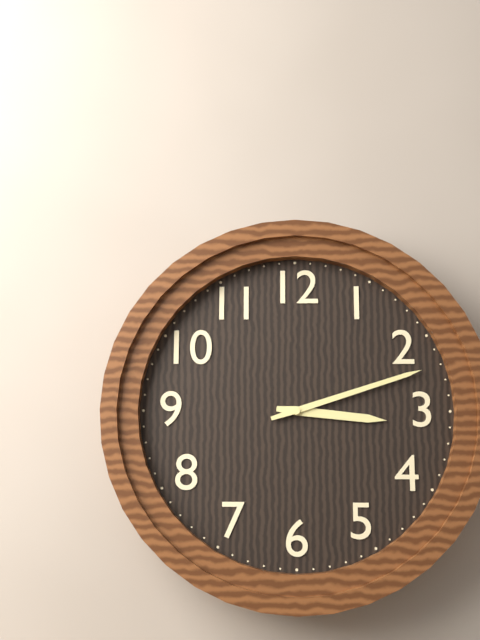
3.12
